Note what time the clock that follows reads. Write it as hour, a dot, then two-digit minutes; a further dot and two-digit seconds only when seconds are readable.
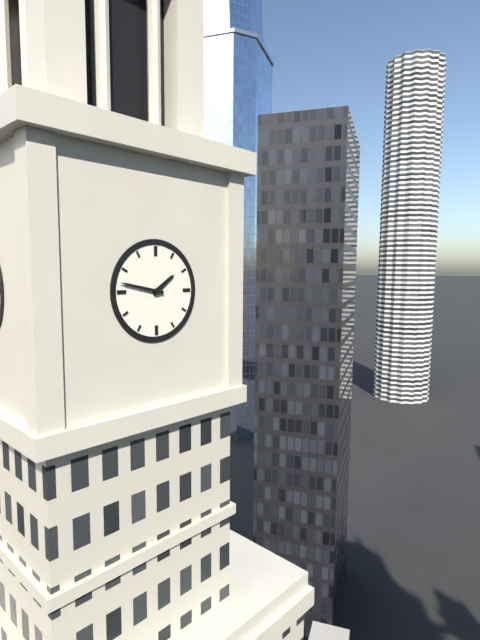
1.47
